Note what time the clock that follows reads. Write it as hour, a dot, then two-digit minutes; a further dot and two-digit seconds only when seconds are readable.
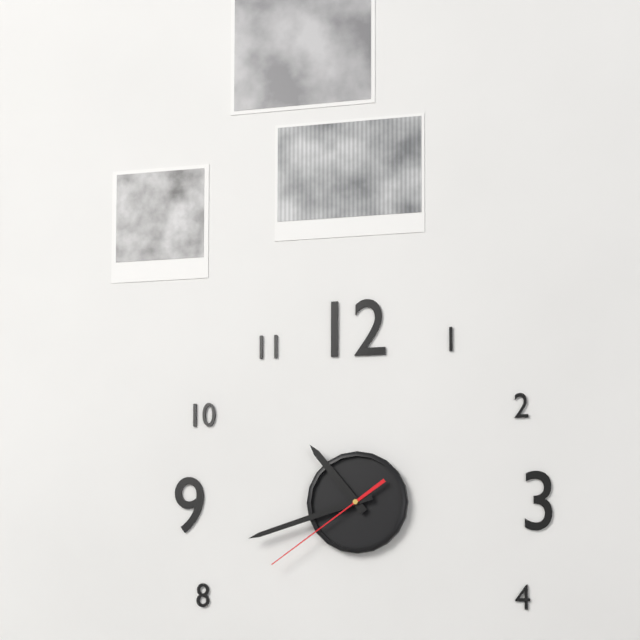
10.42.39
